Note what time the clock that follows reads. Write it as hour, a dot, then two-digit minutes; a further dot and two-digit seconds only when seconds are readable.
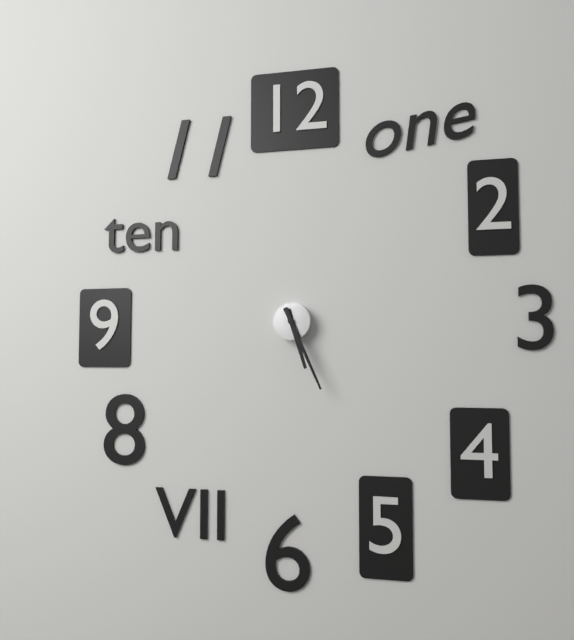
5.26
